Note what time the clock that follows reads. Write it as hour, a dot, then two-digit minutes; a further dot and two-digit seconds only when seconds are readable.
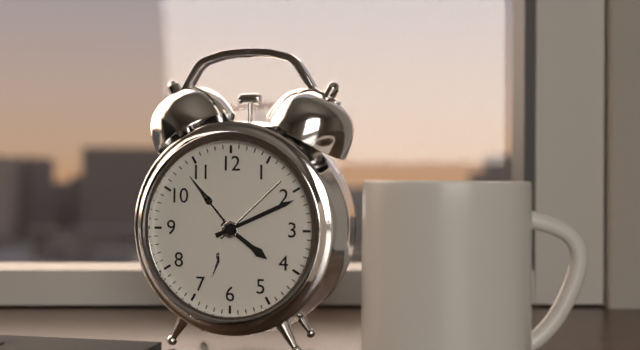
4.11
